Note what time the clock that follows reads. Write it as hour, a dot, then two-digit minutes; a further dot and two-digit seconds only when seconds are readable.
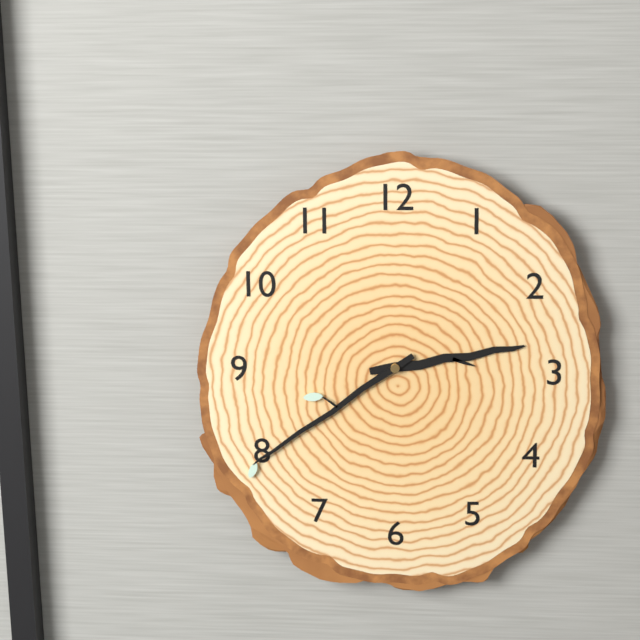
2.39
